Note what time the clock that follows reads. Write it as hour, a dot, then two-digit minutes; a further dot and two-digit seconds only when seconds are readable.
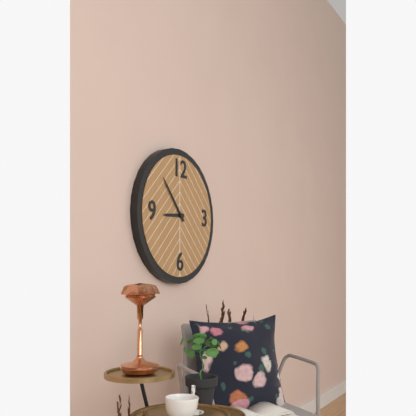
8.53
